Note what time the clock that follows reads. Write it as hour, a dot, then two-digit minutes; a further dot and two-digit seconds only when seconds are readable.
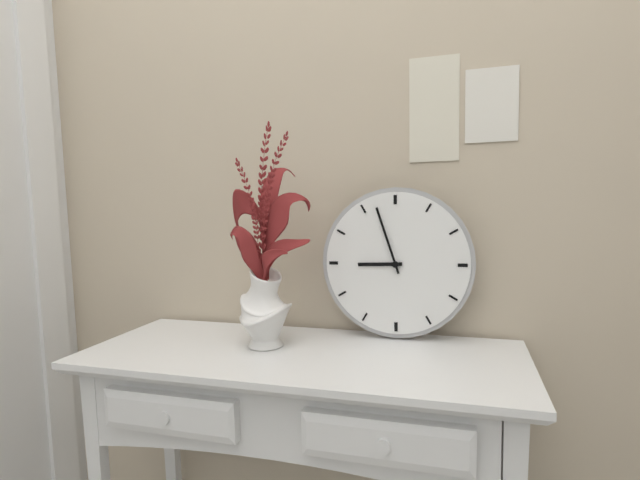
8.57
